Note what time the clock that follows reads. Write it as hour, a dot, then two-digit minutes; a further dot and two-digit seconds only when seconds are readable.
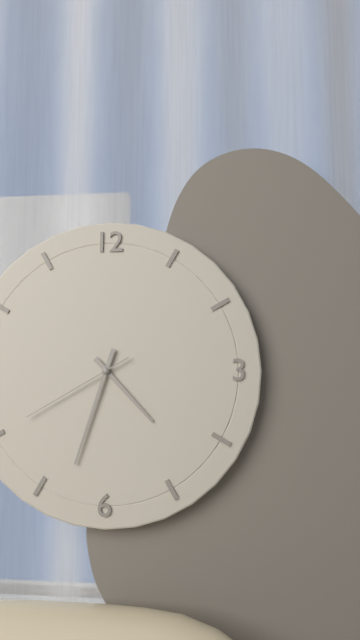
4.33.40
